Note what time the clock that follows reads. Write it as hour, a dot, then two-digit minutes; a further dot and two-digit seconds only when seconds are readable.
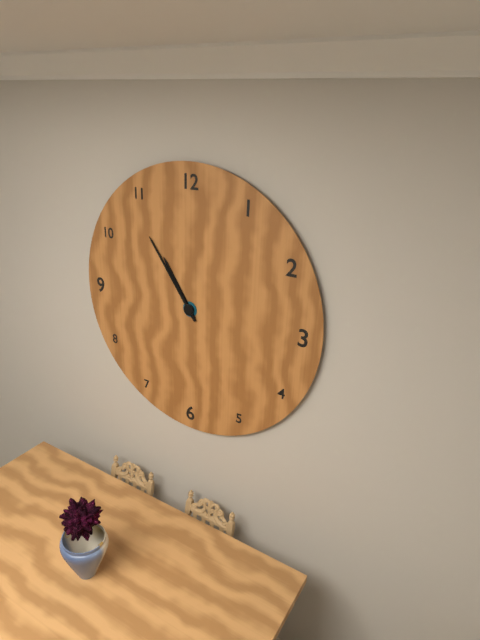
10.54
